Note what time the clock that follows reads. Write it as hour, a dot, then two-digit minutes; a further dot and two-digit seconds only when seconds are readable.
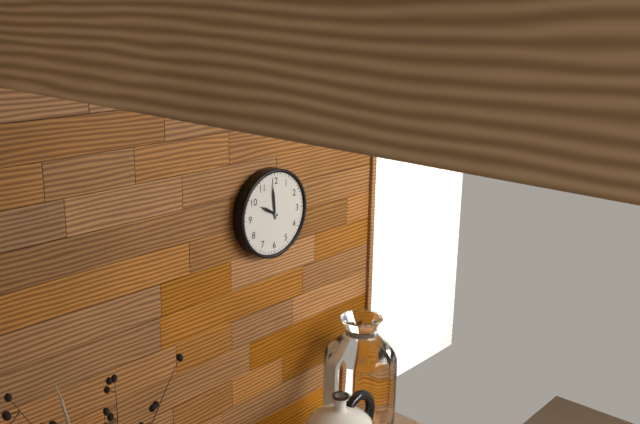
9.59
